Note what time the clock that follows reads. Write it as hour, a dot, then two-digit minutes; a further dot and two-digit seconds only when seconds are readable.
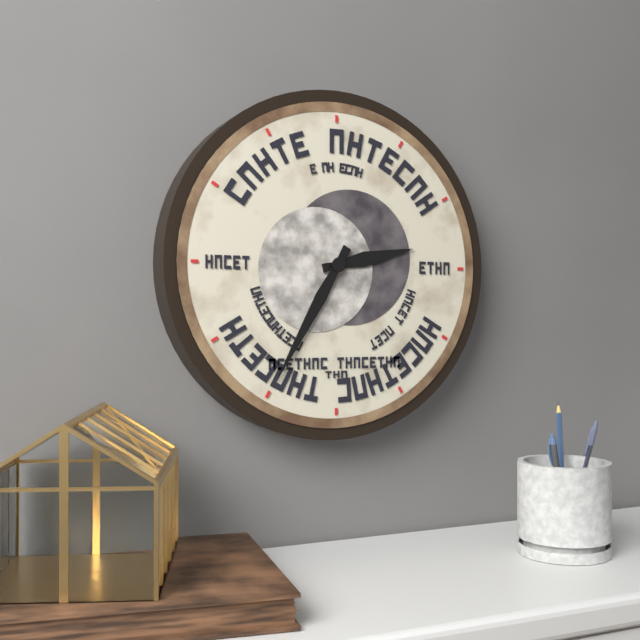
2.35
